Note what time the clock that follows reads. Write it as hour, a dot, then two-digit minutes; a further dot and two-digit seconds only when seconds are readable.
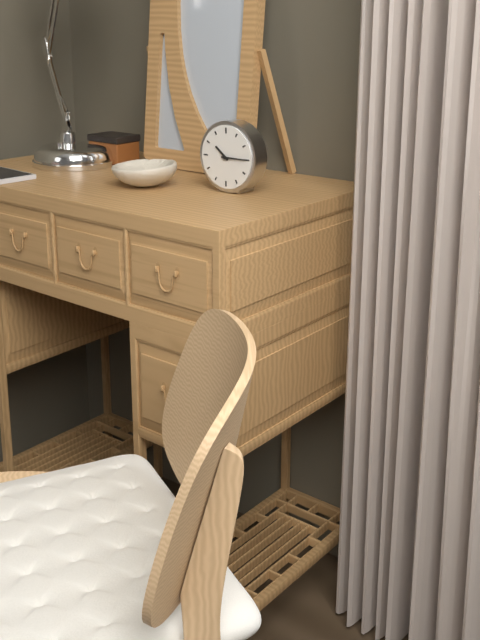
10.15
